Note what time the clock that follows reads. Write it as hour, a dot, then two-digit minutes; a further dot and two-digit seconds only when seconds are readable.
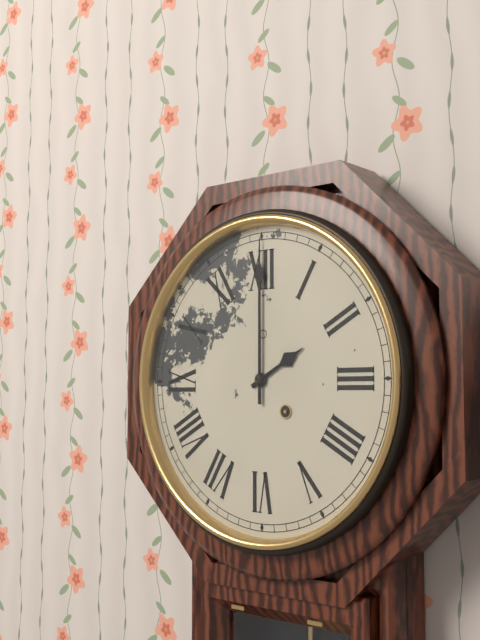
2.00
